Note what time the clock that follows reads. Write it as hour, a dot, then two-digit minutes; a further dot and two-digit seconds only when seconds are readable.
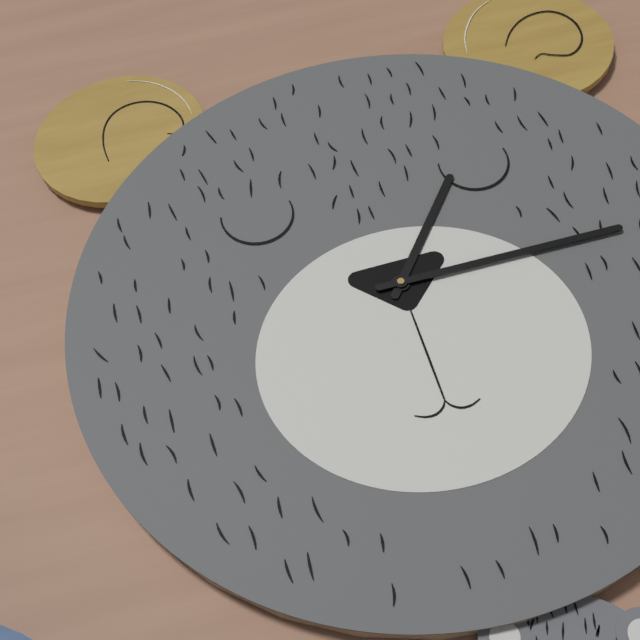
1.15
